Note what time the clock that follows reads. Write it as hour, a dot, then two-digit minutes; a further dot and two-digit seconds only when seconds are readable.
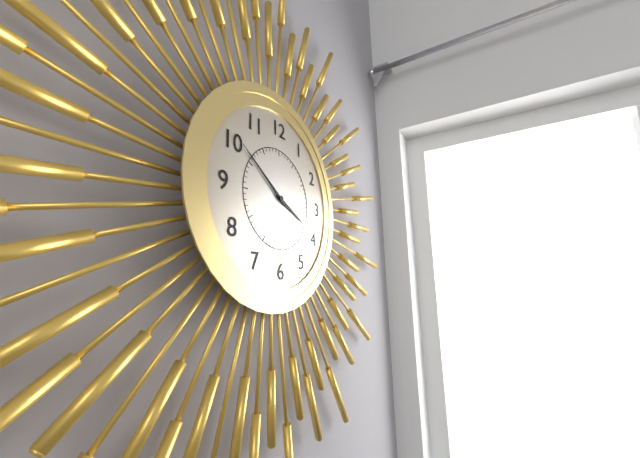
3.51
